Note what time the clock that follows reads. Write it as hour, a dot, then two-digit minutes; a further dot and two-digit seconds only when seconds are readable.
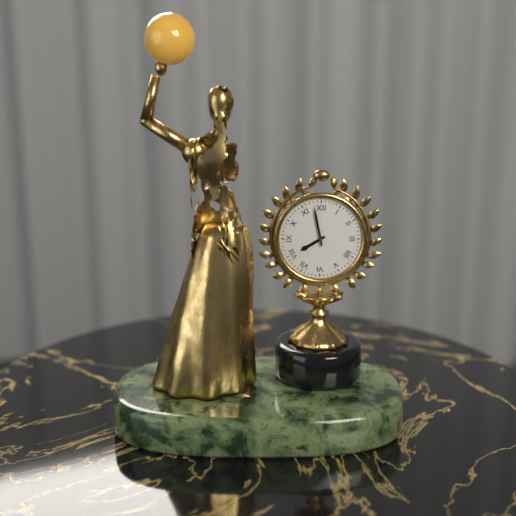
7.58
